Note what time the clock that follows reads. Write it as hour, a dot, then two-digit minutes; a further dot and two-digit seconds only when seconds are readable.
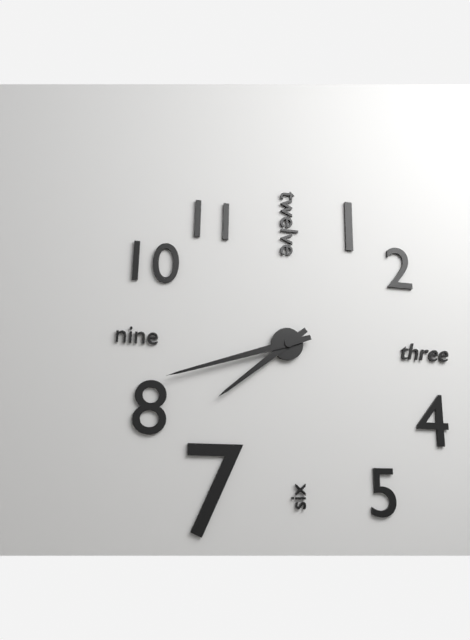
7.42
